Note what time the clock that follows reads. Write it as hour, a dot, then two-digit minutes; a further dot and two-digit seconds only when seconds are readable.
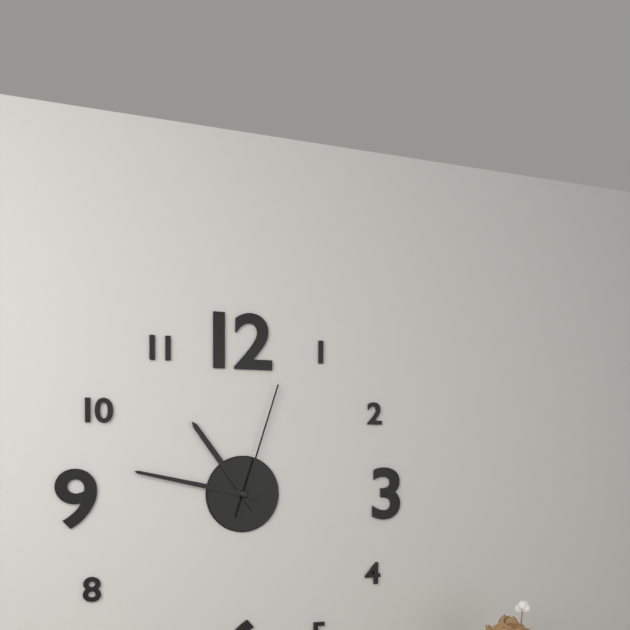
10.47.03
